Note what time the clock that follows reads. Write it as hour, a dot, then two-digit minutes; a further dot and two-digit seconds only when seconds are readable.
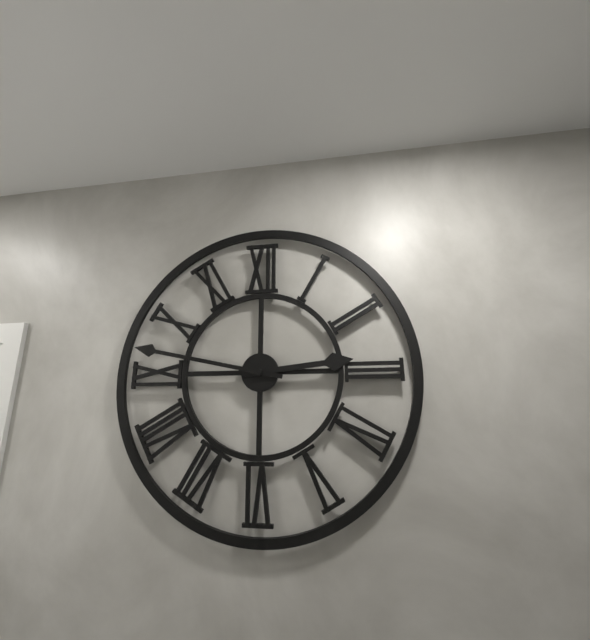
2.47
